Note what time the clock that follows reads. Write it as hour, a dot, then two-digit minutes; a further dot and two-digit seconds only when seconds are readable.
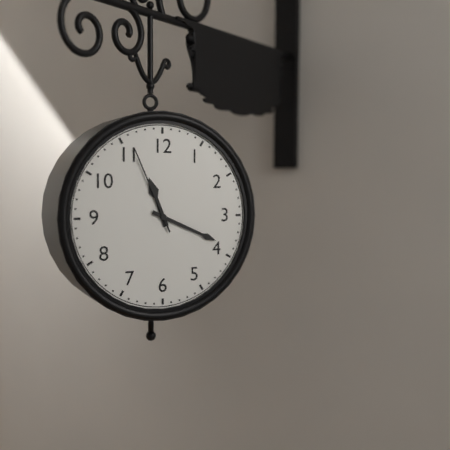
11.19.56
